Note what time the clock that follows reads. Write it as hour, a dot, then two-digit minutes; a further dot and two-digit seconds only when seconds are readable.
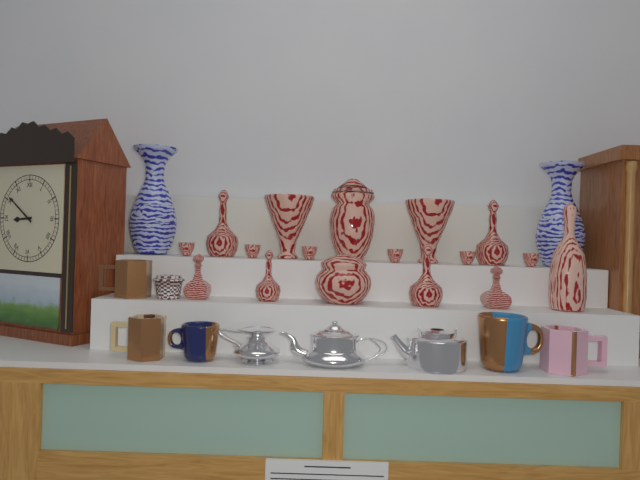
8.51
